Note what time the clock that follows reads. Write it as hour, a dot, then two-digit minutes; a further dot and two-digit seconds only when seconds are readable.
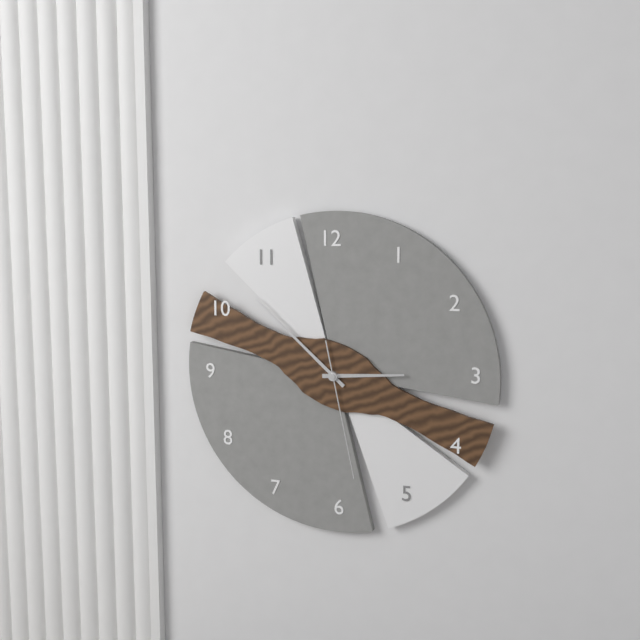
2.52.28
